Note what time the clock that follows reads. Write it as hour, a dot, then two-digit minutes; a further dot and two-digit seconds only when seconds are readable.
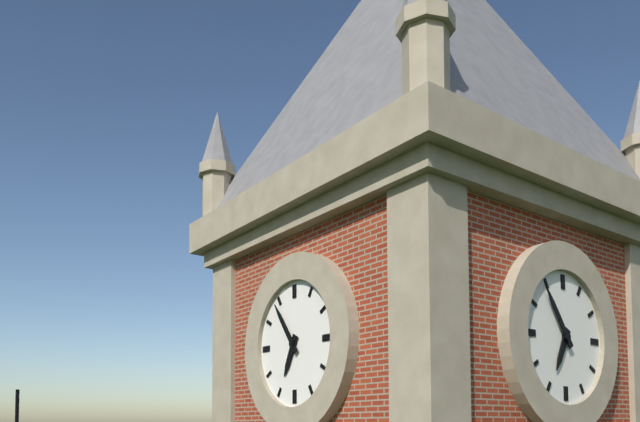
6.54
